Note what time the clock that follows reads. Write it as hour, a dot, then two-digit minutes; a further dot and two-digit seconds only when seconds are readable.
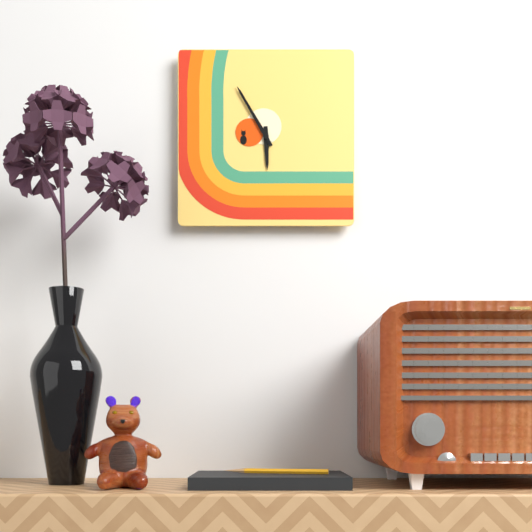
5.55
